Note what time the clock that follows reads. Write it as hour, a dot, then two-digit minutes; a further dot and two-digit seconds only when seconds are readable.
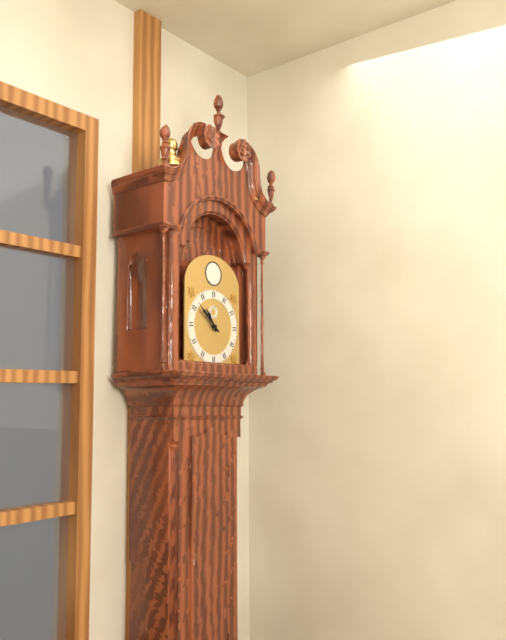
10.52
